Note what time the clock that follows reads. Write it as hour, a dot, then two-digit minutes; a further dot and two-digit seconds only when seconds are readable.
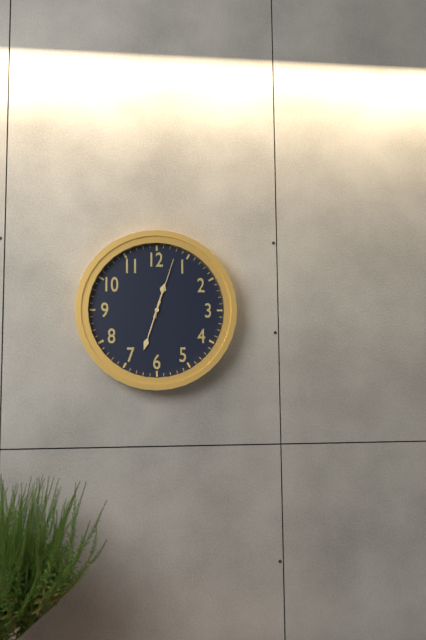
12.33.03
